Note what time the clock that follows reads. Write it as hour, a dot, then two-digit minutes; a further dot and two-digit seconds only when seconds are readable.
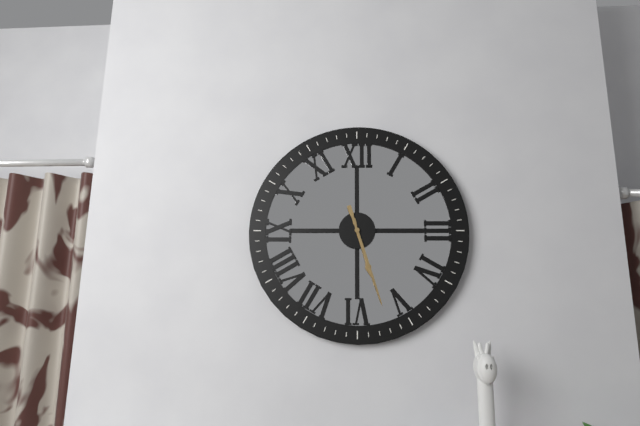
5.27
